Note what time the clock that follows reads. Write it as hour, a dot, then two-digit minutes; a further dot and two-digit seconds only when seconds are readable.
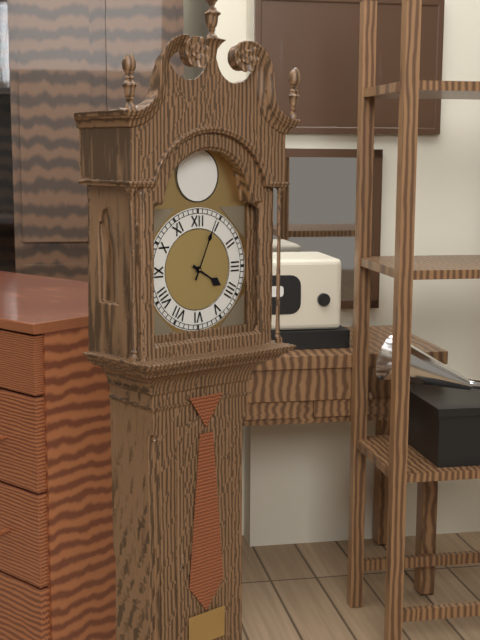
4.04
